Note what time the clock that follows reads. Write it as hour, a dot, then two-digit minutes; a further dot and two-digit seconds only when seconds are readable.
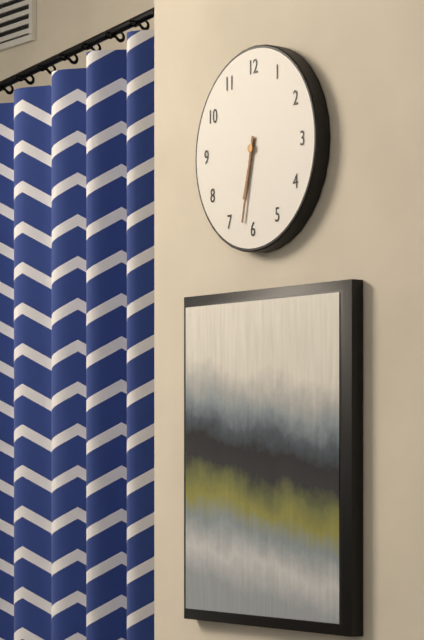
6.32
